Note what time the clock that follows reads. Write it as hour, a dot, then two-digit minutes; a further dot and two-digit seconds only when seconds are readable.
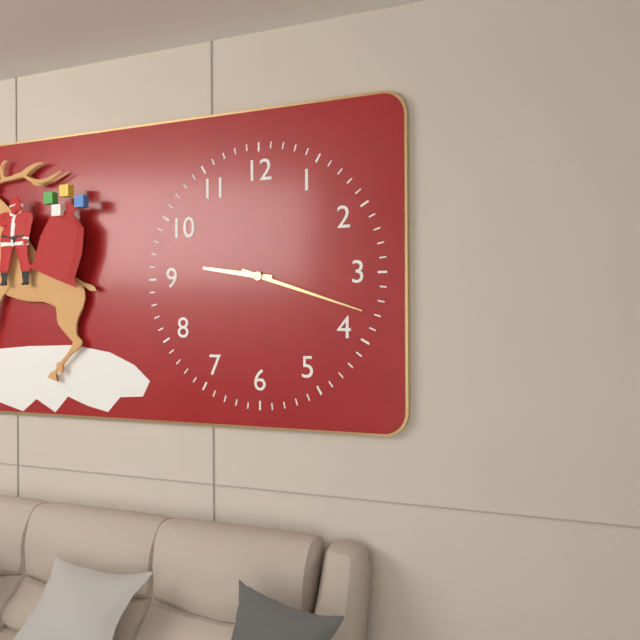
9.18
